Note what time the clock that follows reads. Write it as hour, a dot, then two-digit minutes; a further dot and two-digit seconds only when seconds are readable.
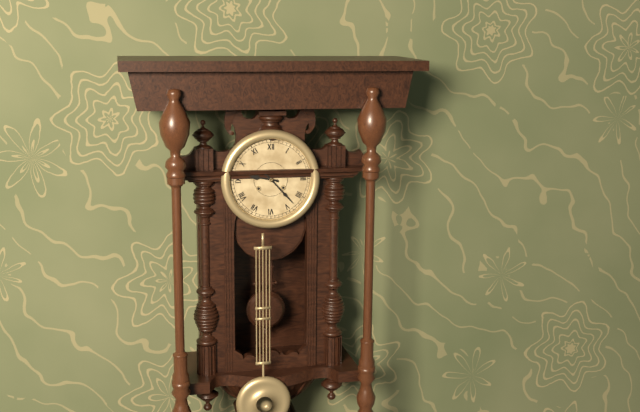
9.23
